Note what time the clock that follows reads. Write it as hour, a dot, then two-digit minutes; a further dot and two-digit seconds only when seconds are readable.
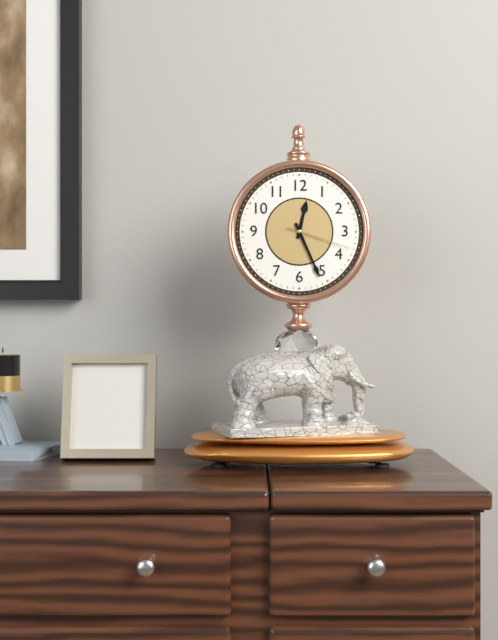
12.26.18
